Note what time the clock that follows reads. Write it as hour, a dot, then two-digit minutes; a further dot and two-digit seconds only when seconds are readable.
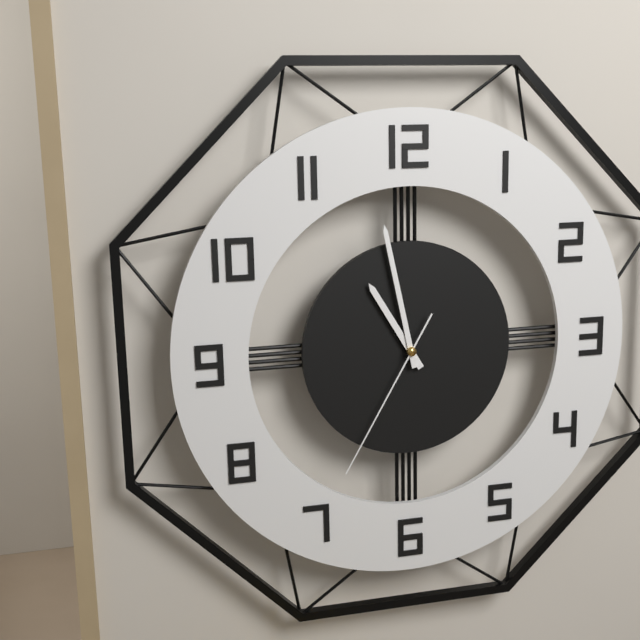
10.58.35
